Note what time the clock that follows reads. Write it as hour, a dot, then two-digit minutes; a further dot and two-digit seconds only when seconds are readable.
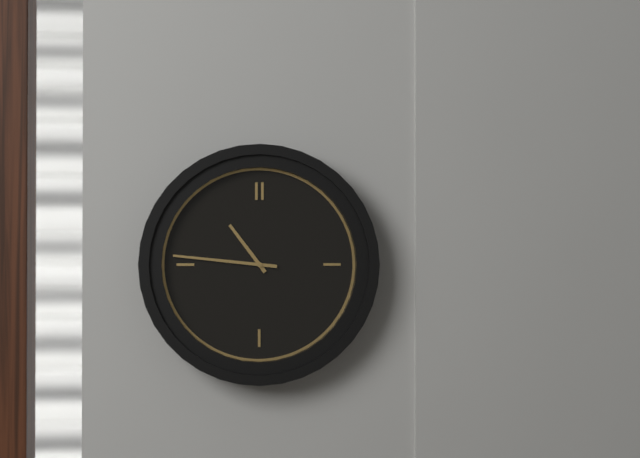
10.46
